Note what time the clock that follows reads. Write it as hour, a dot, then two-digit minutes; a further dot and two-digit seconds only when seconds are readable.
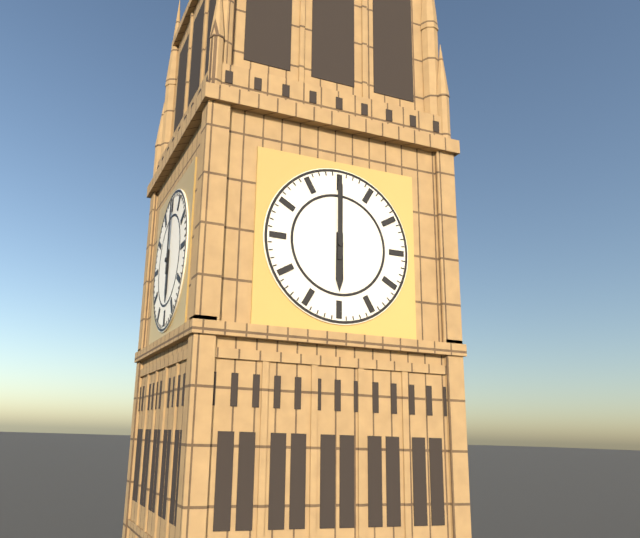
6.00
